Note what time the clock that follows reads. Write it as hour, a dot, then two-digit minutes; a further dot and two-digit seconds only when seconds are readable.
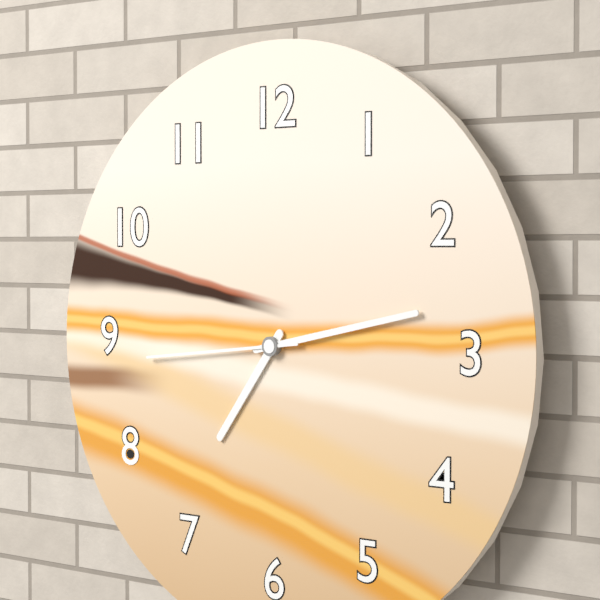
7.13.44
